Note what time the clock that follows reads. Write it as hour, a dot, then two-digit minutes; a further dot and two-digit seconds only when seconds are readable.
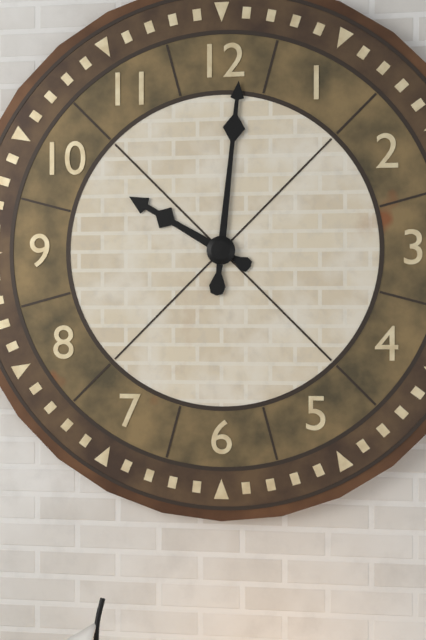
10.01
